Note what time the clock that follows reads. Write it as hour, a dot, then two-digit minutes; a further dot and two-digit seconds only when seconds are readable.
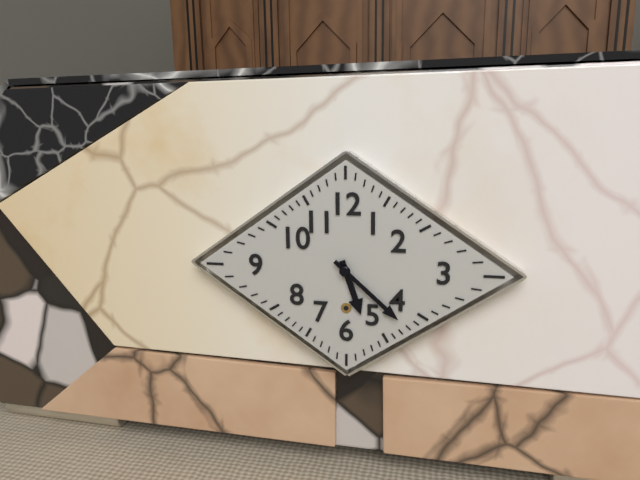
5.22
